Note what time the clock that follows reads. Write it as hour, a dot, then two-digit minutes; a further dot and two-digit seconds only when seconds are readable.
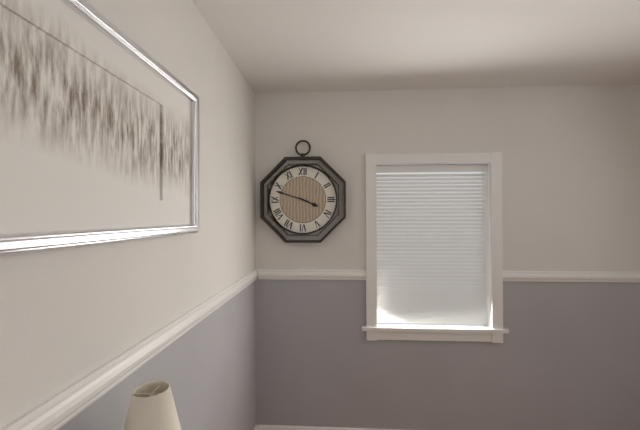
3.48
